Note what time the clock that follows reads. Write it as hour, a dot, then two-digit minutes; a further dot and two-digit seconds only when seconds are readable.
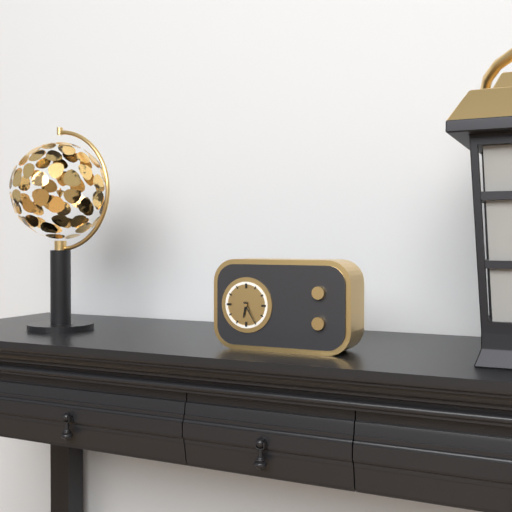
6.25
